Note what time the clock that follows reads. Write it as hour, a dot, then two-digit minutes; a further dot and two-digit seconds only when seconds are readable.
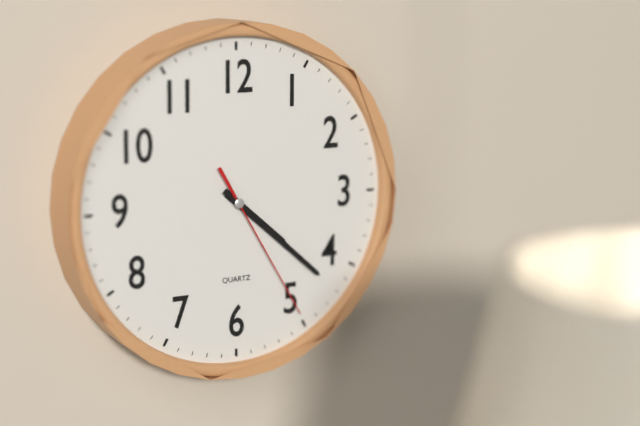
4.22.25
